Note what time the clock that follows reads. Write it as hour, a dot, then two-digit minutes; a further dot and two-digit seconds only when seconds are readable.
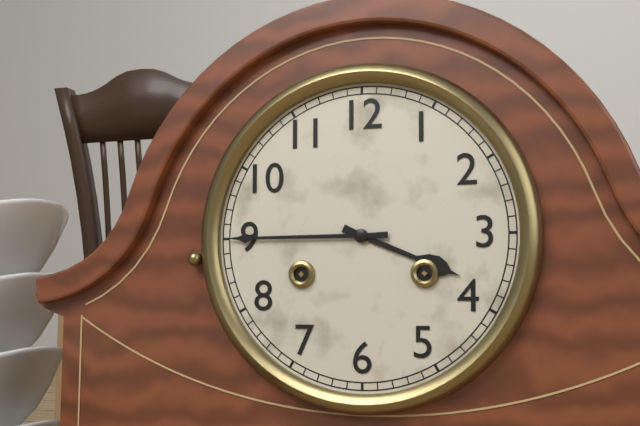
3.45
